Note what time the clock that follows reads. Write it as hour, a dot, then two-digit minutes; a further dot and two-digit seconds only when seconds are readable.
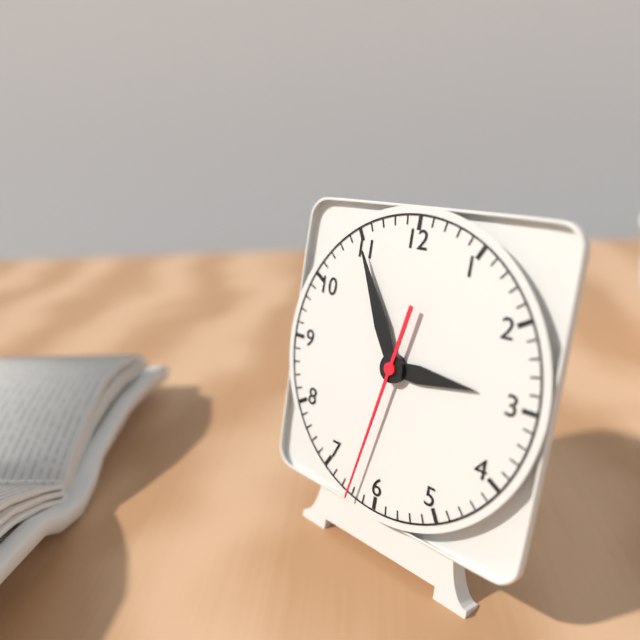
2.55.32
